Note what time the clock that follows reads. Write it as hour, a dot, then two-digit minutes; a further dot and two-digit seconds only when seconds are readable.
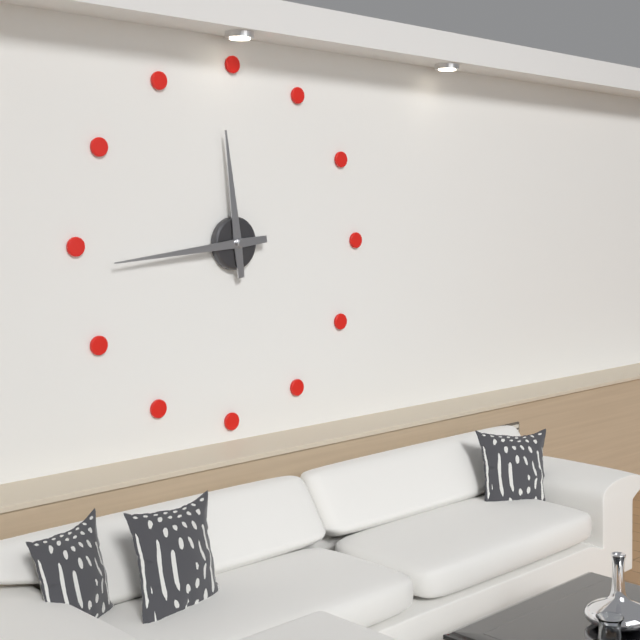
11.44
